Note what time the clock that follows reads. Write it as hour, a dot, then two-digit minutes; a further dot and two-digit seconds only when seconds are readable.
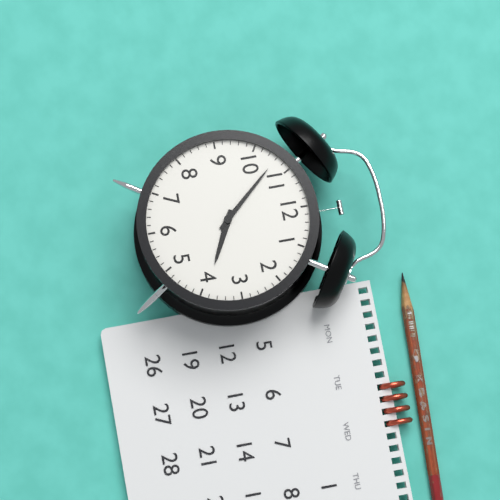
3.53
